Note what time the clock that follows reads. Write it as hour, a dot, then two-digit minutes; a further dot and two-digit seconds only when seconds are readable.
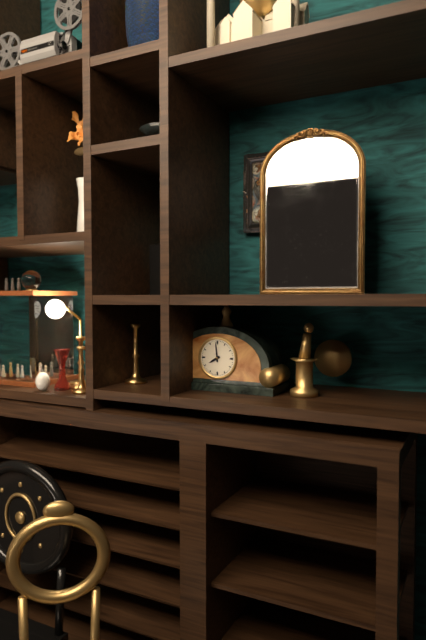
7.59
